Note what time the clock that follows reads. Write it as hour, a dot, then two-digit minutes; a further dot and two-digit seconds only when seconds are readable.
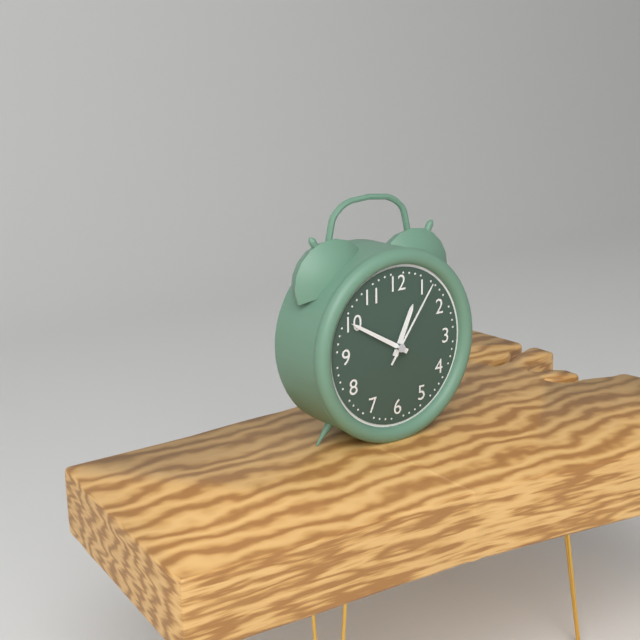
12.50.06
